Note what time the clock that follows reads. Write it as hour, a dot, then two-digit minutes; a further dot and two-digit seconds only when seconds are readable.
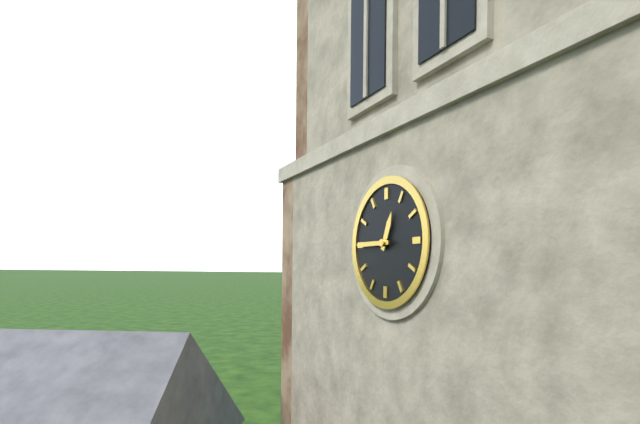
12.45
